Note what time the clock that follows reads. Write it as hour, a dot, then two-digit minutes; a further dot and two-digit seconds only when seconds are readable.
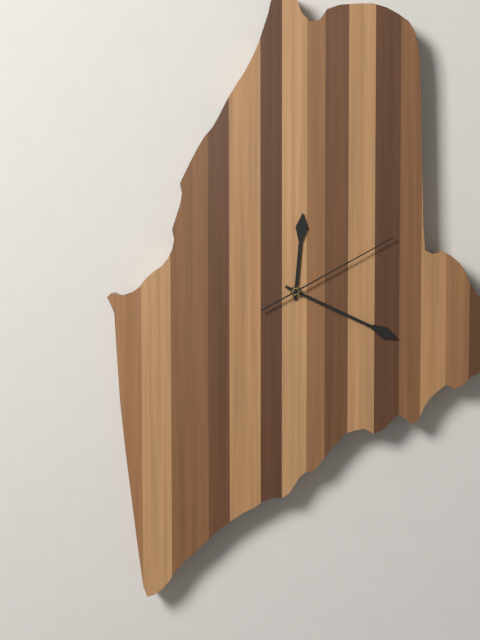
12.20.11
